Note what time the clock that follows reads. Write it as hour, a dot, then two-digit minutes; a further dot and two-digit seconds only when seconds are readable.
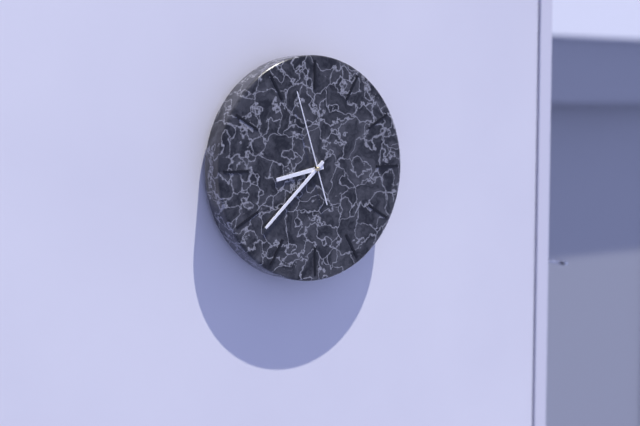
8.38.57
